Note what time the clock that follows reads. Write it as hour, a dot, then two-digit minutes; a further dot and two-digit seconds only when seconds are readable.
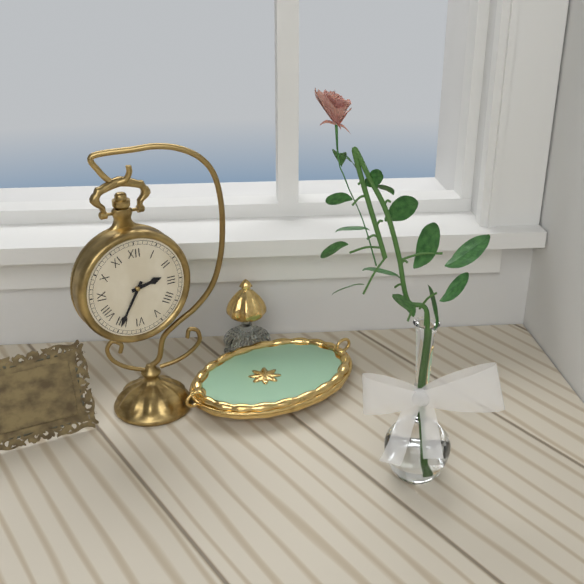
2.35
